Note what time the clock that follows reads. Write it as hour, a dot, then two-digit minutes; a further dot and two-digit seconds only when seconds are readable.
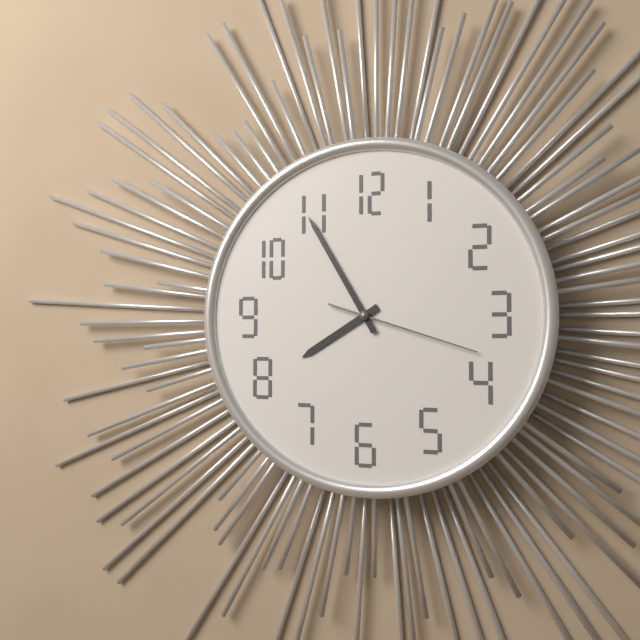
7.55.18
